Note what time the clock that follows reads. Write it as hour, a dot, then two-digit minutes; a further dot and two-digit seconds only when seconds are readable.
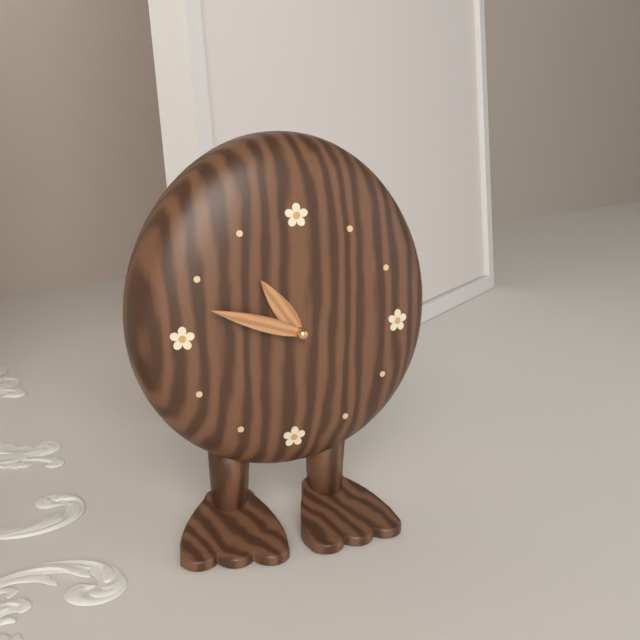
10.48
